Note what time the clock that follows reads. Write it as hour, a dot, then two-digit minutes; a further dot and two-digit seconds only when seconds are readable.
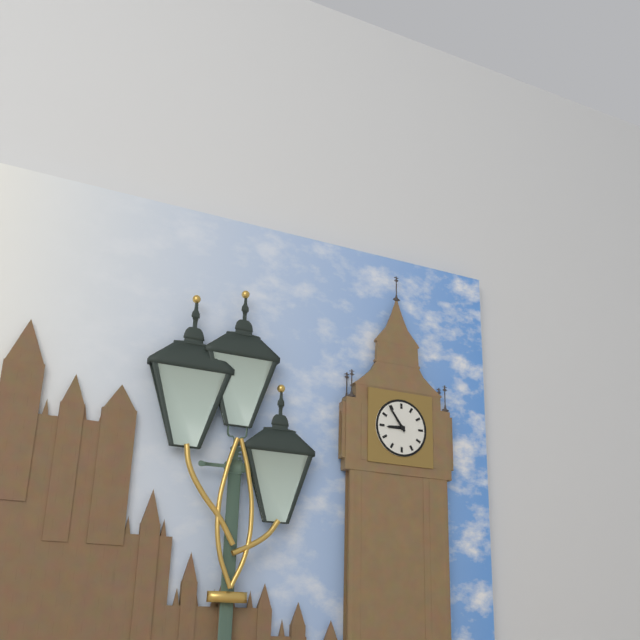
8.54
